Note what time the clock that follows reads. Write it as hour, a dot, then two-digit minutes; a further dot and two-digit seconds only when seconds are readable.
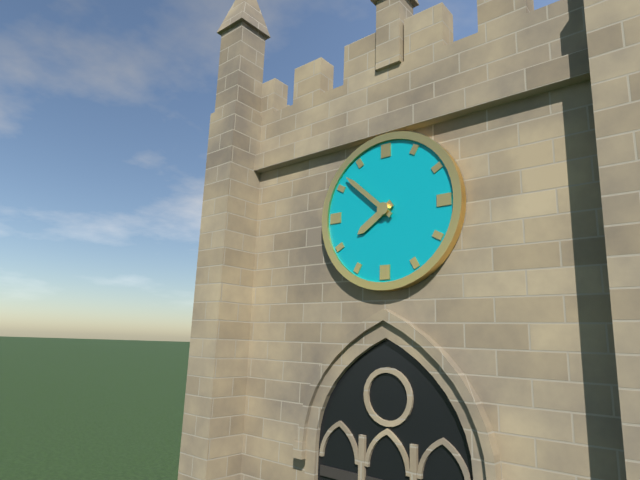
7.52
